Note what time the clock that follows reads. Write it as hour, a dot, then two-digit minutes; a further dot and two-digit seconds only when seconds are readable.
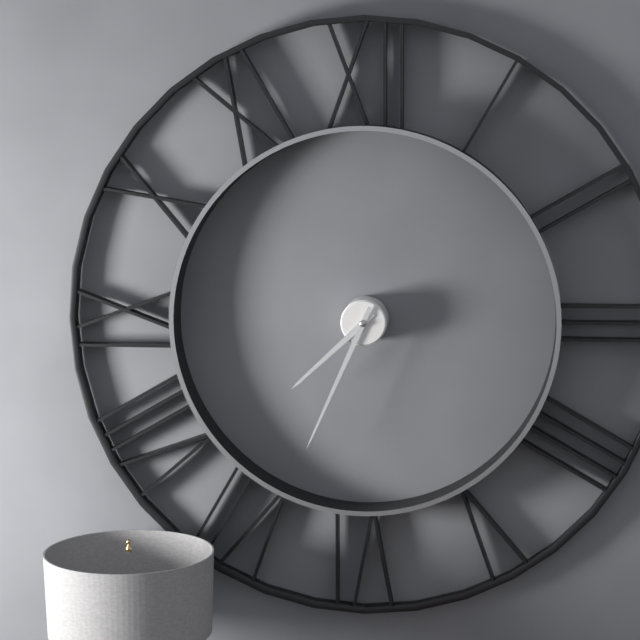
7.34
